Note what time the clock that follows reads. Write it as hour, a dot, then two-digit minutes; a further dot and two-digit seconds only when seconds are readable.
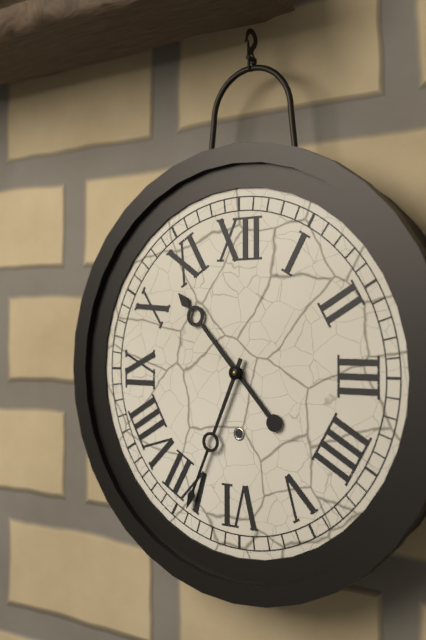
10.34
